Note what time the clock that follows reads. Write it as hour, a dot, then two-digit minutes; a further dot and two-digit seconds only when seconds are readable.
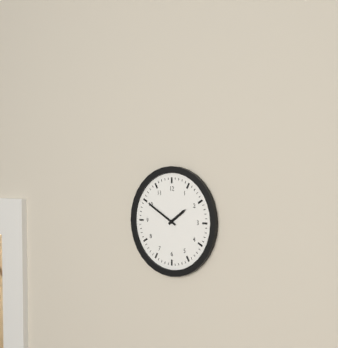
1.50
